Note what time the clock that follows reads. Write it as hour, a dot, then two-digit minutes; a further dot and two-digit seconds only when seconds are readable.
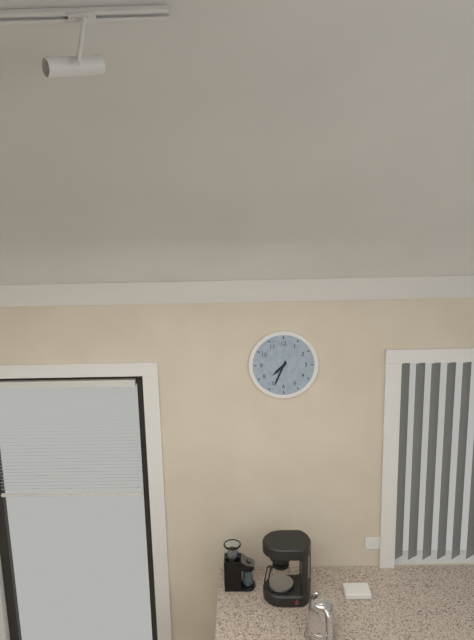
7.34
